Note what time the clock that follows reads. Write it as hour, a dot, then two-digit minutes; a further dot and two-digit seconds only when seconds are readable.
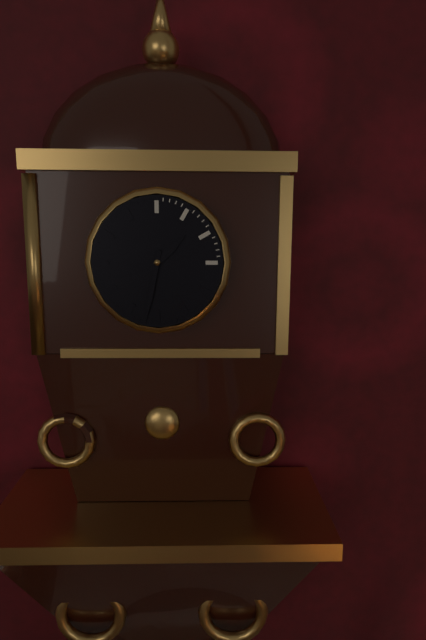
1.32
